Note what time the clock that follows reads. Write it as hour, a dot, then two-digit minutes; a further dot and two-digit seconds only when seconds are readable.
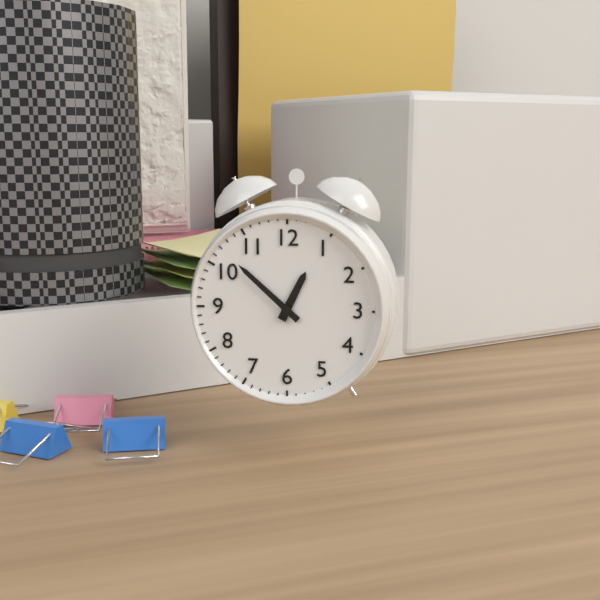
12.52
